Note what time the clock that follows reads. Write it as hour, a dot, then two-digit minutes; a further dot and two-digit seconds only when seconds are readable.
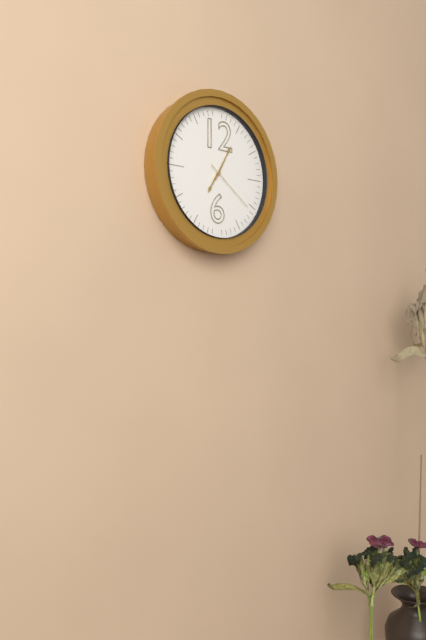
7.05.21
